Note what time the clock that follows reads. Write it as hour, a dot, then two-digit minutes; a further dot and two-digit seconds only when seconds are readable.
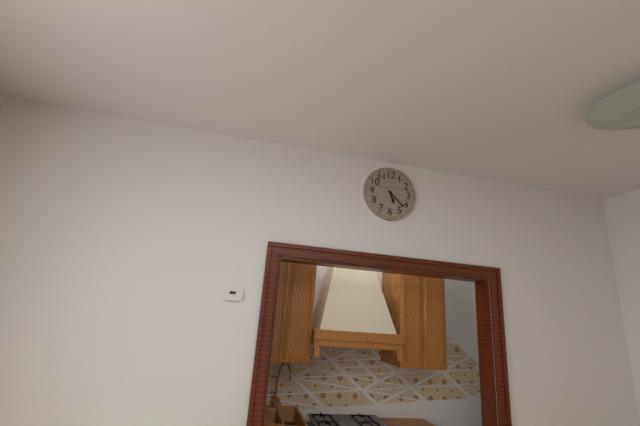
5.22
